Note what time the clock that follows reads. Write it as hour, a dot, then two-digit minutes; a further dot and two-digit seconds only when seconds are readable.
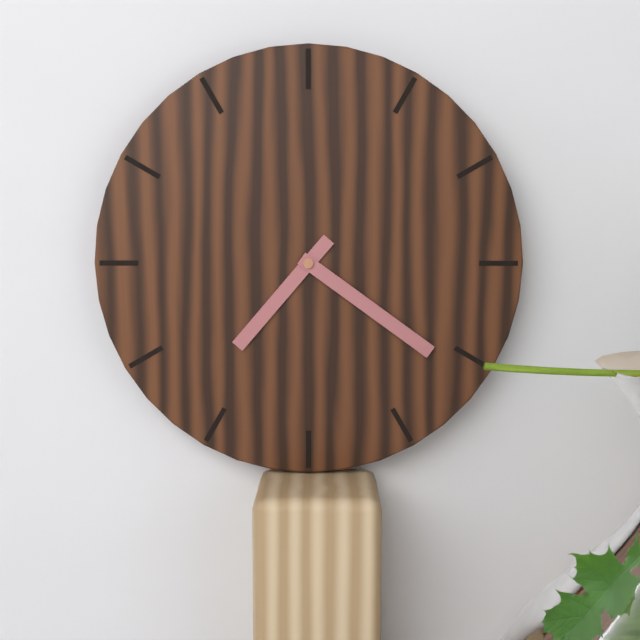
7.21
